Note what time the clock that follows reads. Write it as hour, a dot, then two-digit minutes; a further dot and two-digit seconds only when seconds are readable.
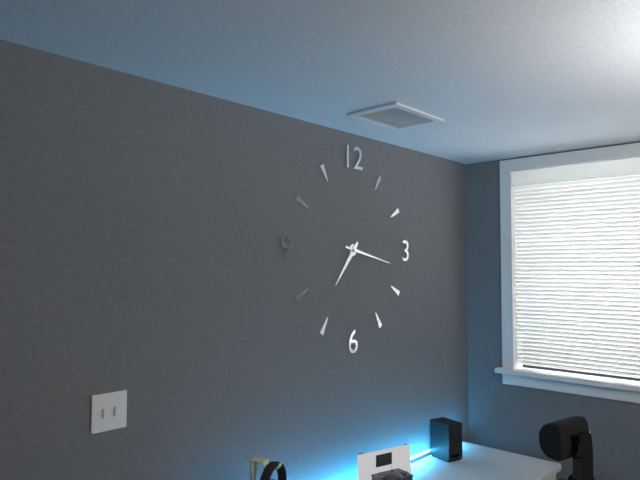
7.17
